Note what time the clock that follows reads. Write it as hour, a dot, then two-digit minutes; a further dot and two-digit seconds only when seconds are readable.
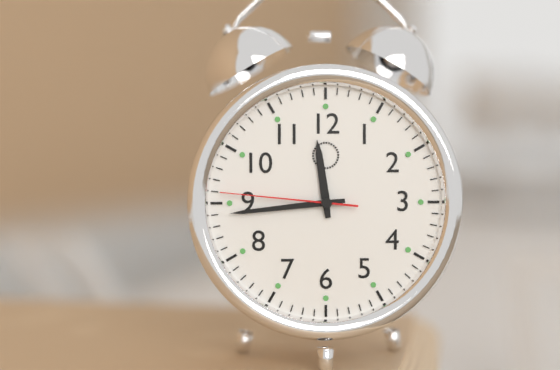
11.44.46
